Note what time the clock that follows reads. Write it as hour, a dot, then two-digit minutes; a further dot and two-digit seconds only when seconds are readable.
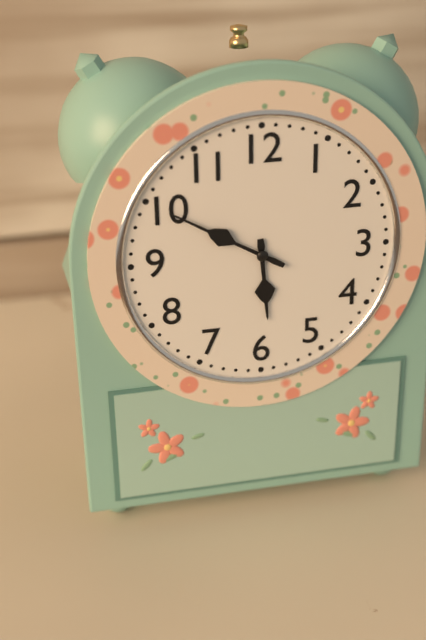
5.50
